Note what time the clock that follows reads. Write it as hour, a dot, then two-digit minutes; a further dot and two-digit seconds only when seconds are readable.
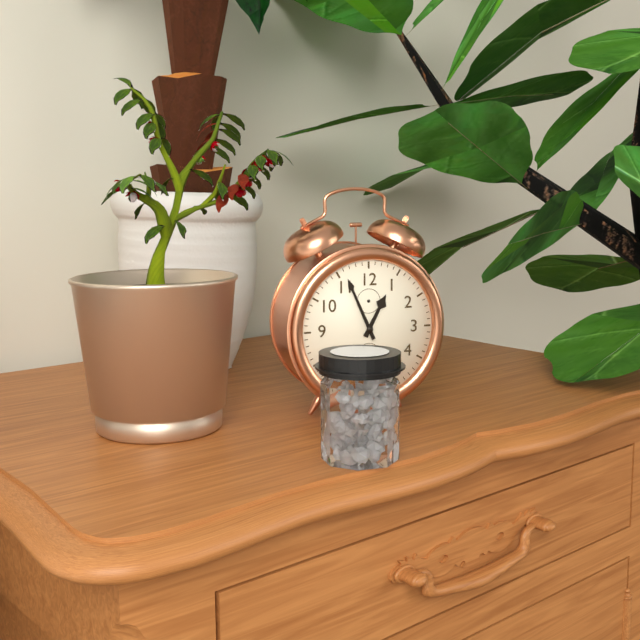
12.56
